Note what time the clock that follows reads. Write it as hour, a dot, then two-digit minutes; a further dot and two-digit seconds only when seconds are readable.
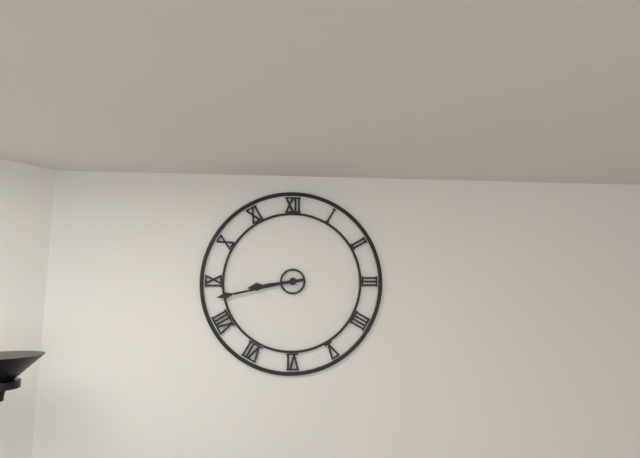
8.43
